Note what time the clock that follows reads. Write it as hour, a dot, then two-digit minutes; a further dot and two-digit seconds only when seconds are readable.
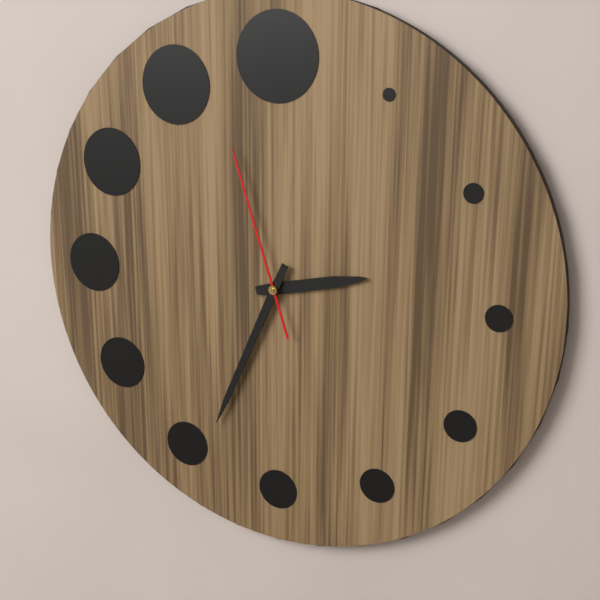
2.34.57
